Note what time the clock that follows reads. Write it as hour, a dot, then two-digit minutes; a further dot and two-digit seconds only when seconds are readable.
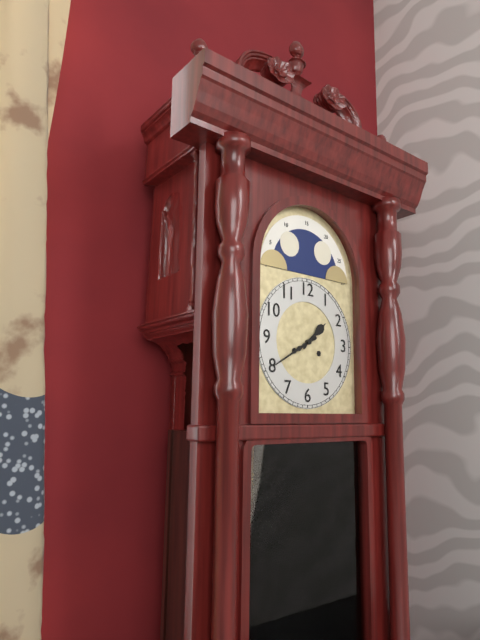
1.40
